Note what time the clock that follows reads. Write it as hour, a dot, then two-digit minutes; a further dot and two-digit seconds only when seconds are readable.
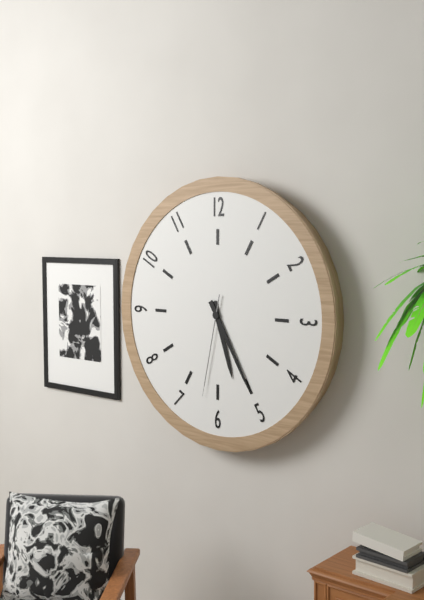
5.25.32
